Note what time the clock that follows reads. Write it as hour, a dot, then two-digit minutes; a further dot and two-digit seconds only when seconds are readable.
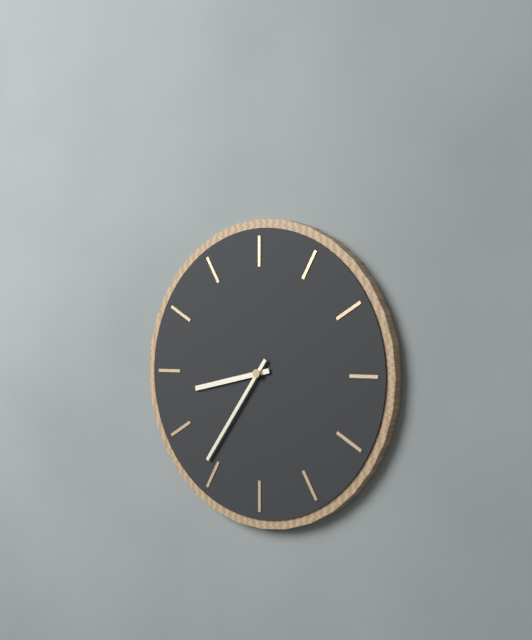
8.36
